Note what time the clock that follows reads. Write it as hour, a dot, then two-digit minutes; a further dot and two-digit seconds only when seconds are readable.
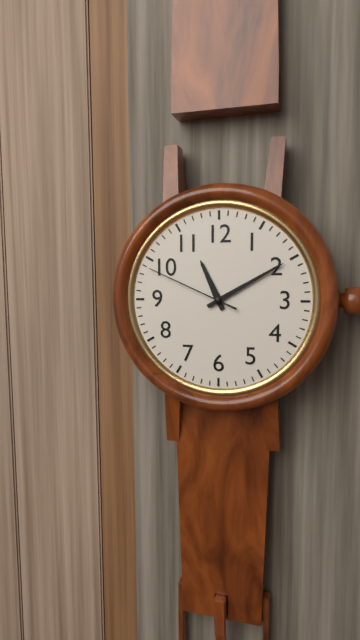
11.10.49
